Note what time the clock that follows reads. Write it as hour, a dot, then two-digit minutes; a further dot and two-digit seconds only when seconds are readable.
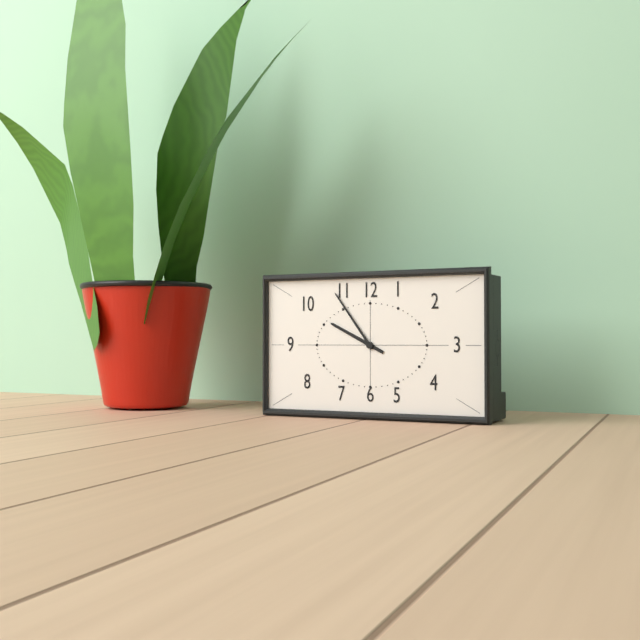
9.54
